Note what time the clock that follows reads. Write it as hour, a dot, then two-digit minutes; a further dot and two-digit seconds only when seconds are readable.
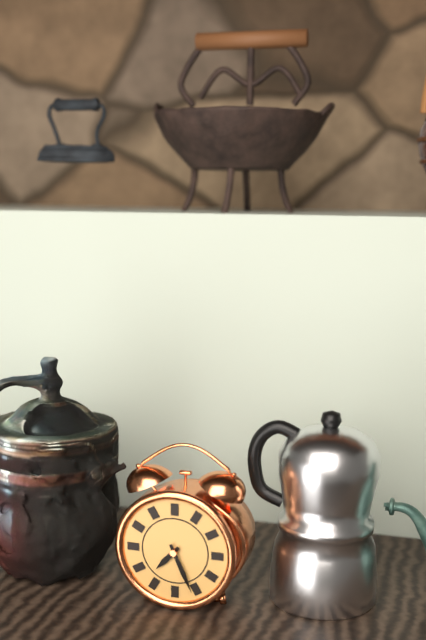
7.26
